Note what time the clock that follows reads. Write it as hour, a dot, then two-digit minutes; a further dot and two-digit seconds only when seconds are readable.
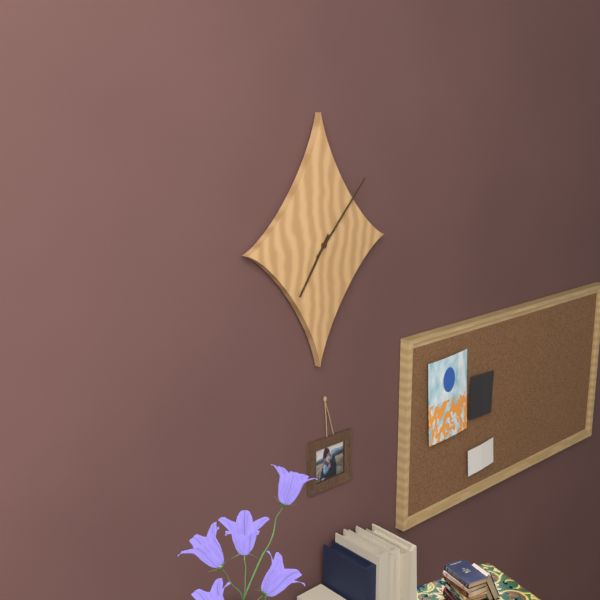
7.07
